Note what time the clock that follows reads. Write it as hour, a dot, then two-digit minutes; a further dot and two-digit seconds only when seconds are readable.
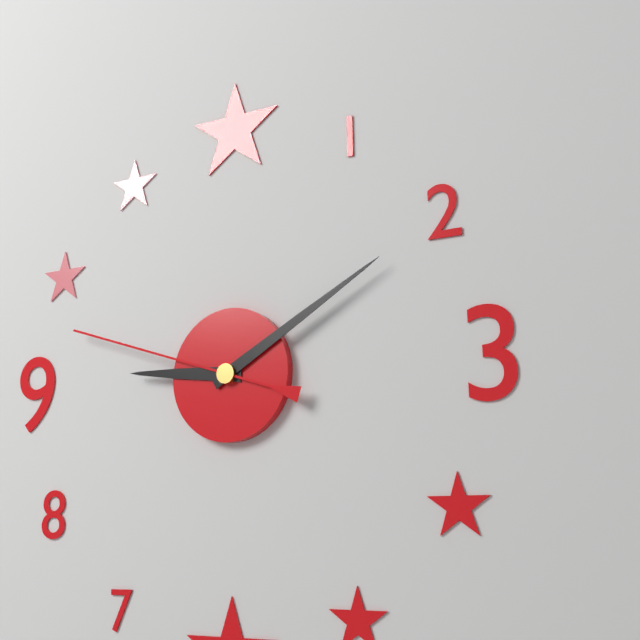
9.10.48
